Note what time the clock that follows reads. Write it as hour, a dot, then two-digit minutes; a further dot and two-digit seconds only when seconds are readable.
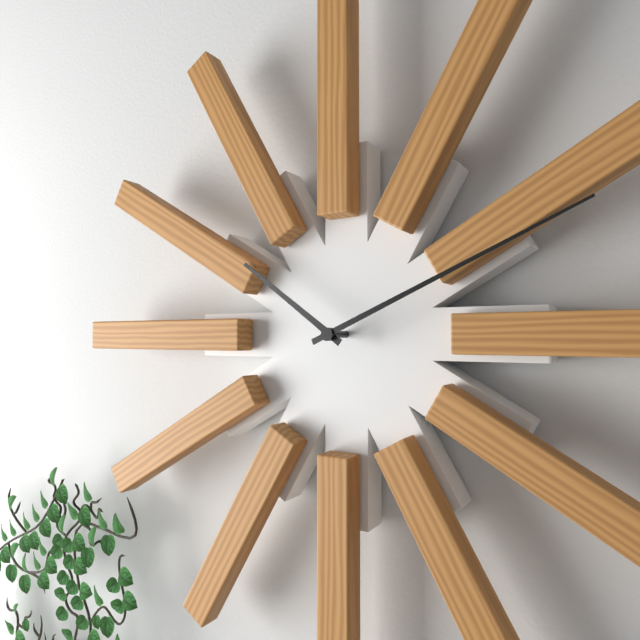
10.11
